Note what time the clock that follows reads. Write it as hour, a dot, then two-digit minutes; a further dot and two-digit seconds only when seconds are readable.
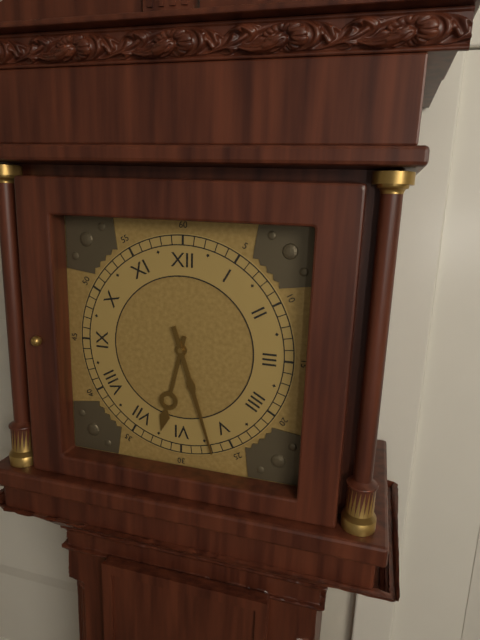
6.27
